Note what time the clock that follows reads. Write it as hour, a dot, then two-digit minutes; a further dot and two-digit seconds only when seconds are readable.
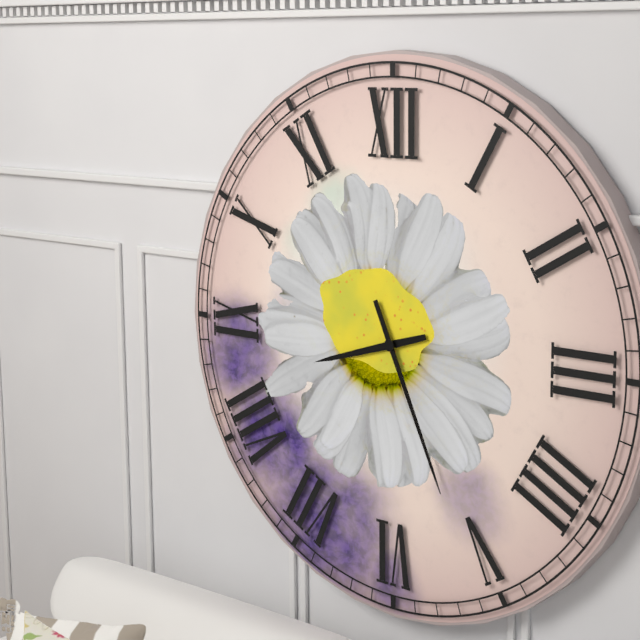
8.26
